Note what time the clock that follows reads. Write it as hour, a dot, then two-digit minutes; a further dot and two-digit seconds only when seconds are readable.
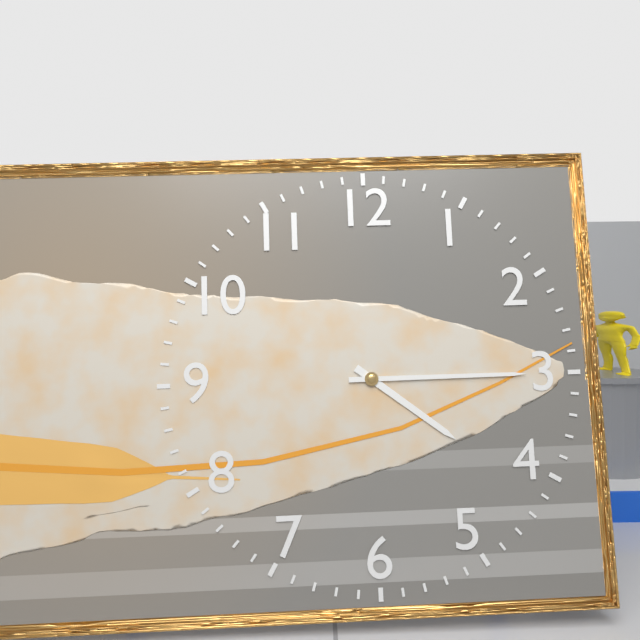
4.15
